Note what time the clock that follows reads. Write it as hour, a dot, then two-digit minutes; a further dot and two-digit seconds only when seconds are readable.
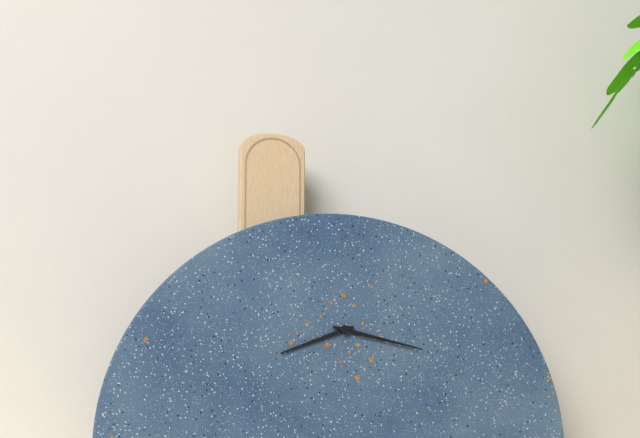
8.17
